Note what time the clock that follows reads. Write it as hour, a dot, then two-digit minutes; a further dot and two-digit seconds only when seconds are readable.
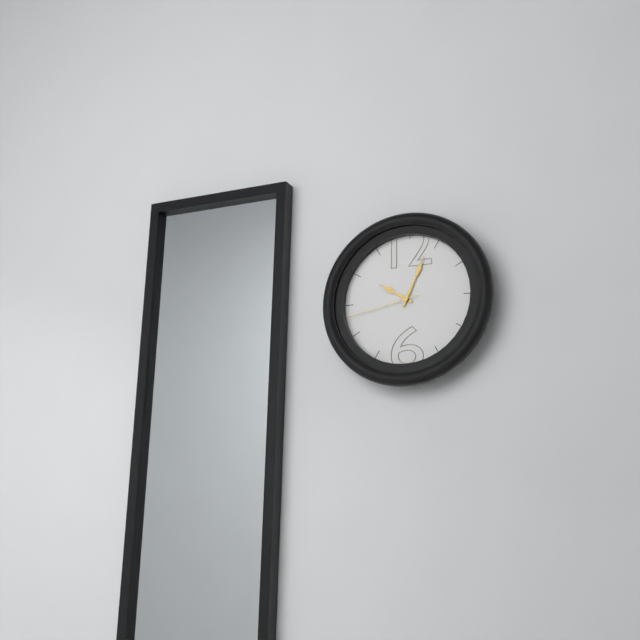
10.04.43
